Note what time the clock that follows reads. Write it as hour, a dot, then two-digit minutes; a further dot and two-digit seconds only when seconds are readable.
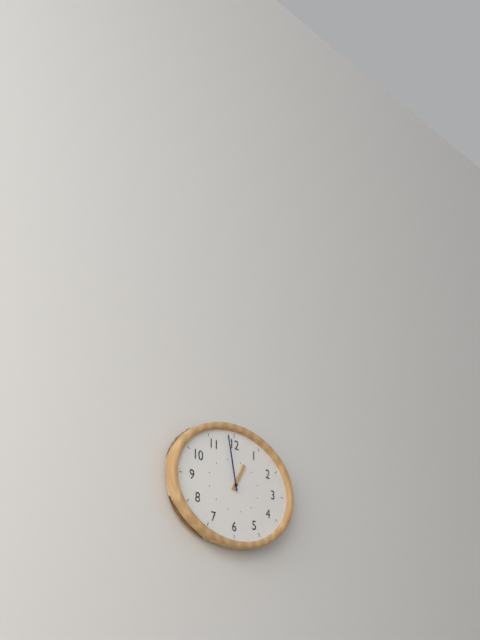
12.58
